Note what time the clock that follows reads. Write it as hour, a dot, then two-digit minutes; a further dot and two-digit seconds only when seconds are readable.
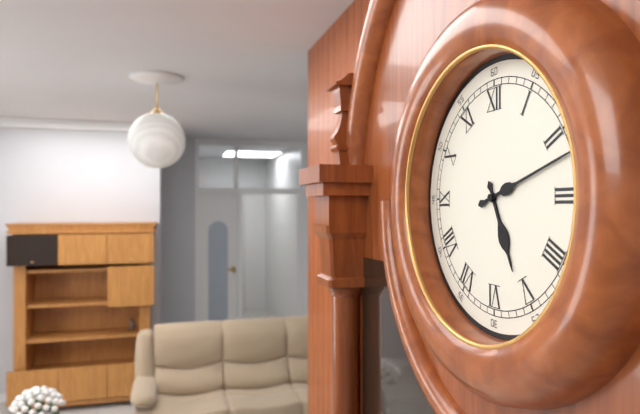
5.12
